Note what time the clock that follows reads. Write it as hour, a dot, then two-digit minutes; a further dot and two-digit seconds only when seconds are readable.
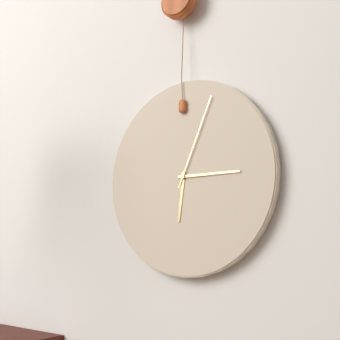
6.15.04
